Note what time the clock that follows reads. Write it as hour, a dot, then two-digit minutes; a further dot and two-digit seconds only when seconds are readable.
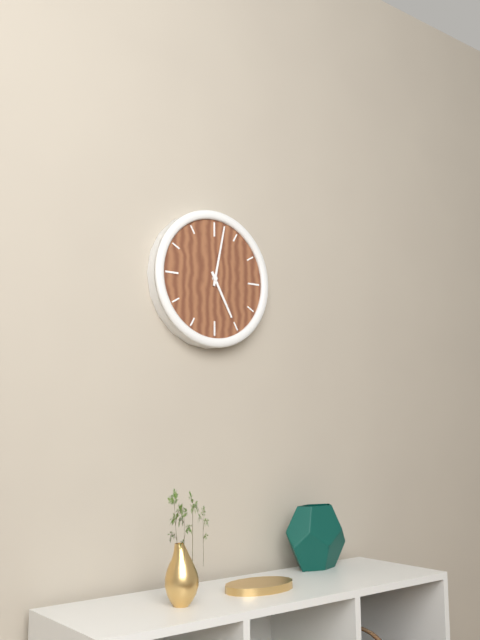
5.02
